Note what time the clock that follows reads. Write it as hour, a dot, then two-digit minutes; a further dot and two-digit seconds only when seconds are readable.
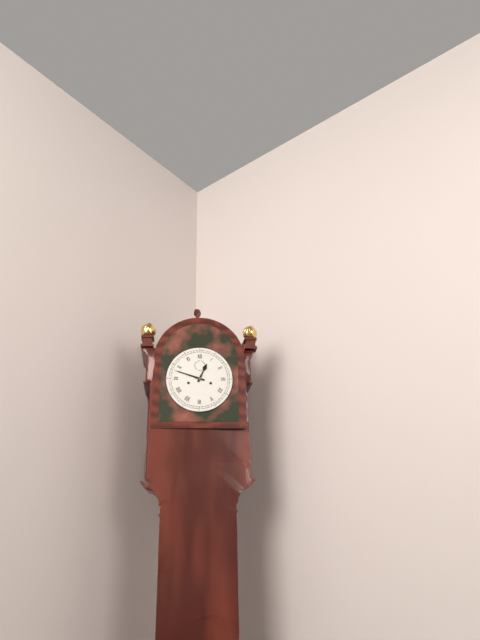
12.48
